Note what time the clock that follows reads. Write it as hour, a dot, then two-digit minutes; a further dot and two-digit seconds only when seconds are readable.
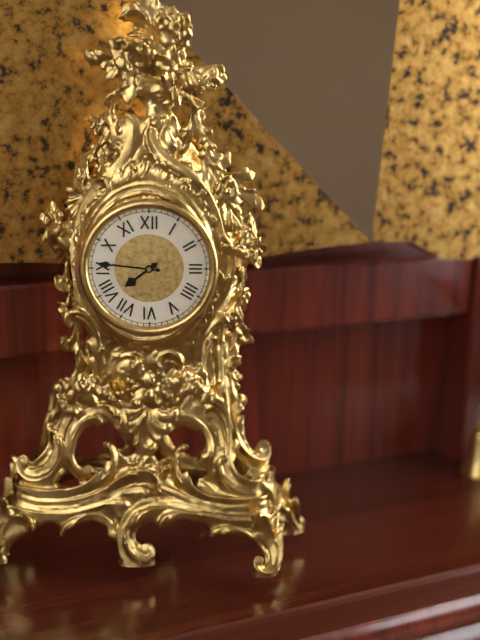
7.46
